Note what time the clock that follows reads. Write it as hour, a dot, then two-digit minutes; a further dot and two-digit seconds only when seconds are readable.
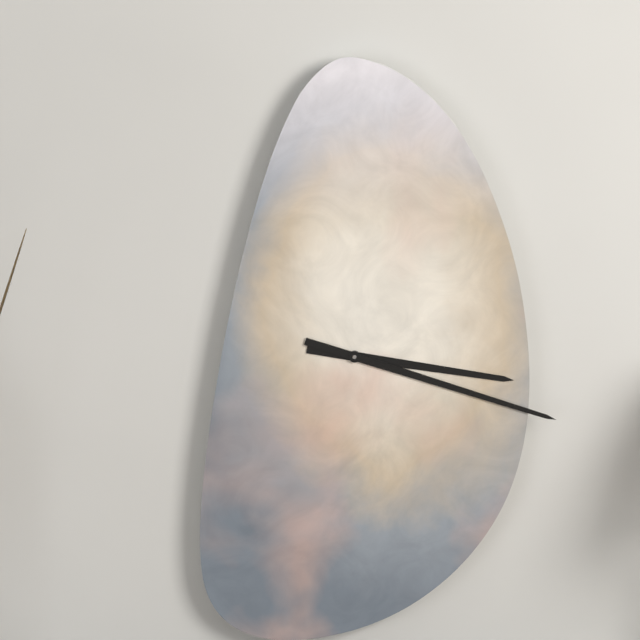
3.18
